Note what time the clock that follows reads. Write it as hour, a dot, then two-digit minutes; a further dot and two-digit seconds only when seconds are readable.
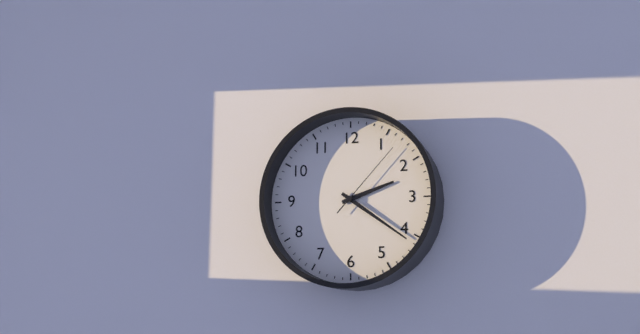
2.21.07
